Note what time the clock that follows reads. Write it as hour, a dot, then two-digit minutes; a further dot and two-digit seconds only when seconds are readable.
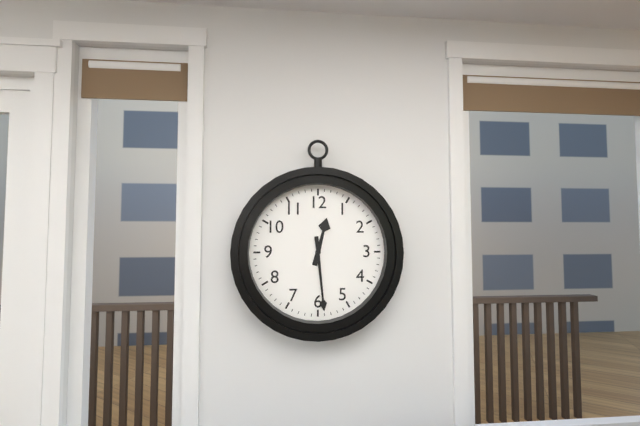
12.29
